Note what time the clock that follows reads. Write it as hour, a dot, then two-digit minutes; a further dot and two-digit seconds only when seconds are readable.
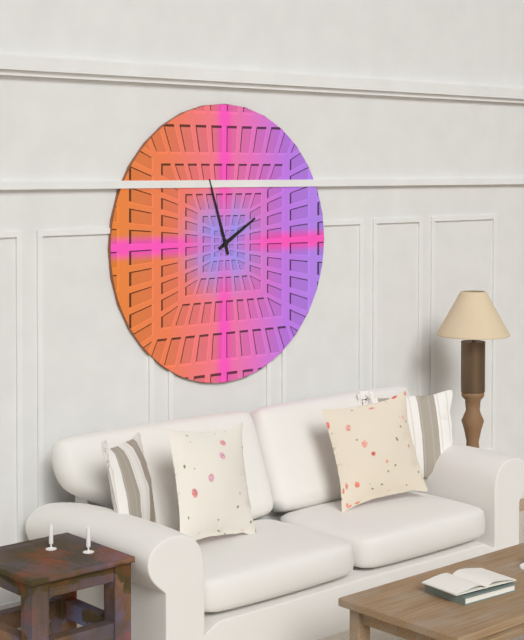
1.57
